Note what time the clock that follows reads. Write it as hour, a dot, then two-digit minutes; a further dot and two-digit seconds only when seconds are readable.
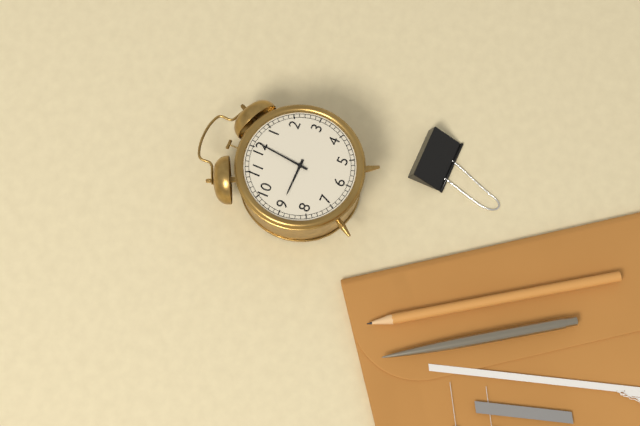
9.01
